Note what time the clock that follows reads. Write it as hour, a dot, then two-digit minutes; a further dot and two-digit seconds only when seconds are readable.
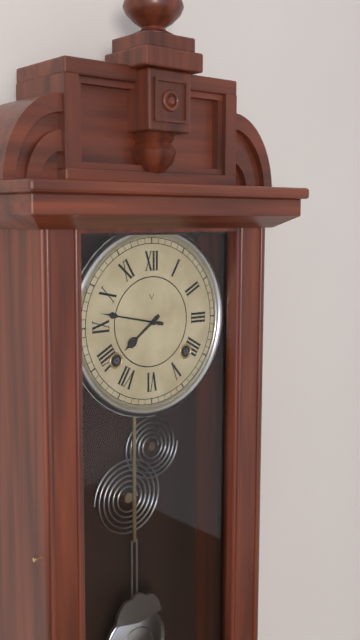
7.47
